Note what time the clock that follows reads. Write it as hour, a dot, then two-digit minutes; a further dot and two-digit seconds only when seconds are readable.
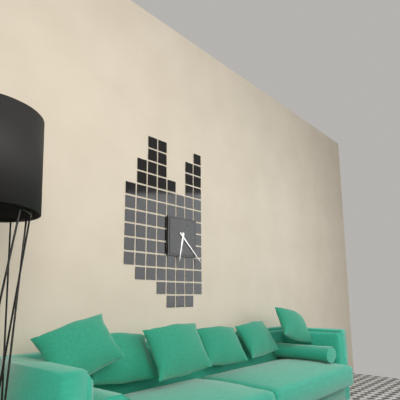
6.22
